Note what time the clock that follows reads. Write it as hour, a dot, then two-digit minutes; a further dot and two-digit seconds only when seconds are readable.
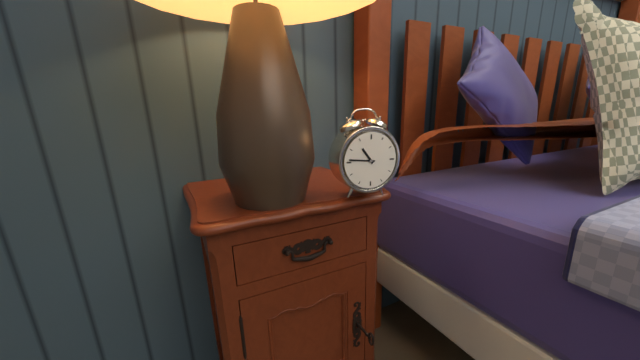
10.46
